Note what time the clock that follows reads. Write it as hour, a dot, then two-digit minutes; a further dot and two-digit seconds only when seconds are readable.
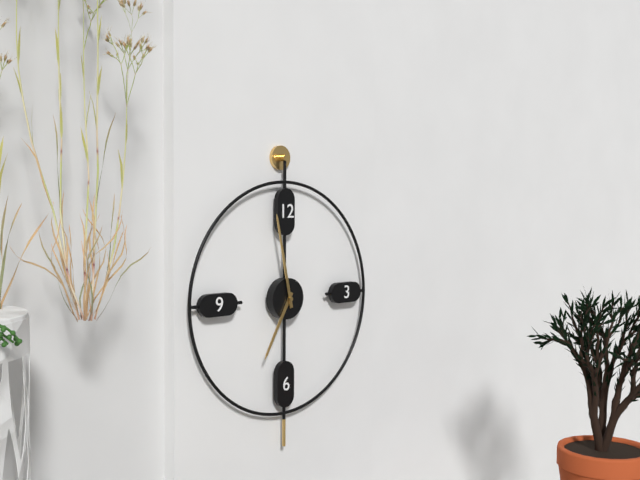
6.58
